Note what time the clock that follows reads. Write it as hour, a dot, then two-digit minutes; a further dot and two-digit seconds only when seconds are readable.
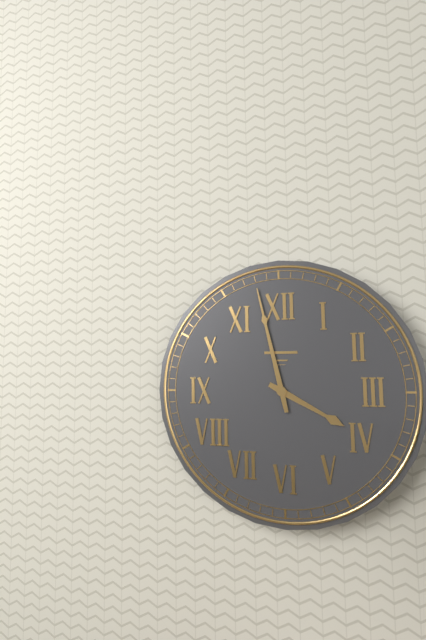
3.58
